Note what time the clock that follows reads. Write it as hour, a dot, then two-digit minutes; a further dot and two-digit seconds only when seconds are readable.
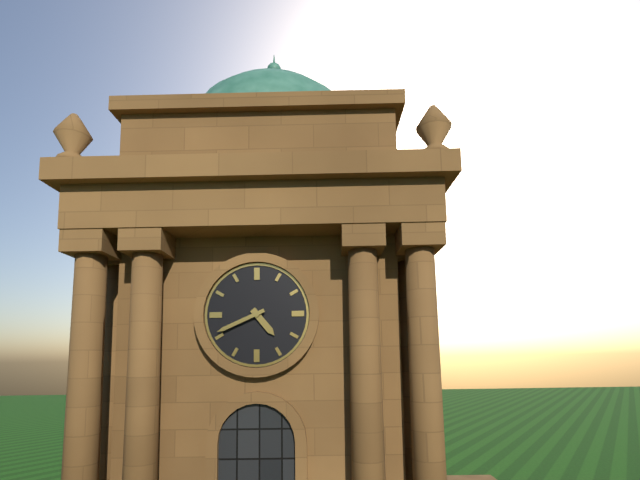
4.41
